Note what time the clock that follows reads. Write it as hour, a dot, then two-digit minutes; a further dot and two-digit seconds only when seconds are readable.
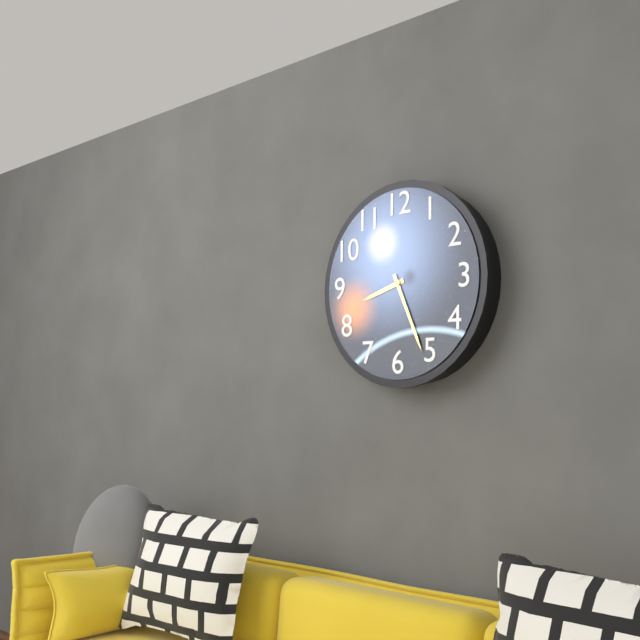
8.26
